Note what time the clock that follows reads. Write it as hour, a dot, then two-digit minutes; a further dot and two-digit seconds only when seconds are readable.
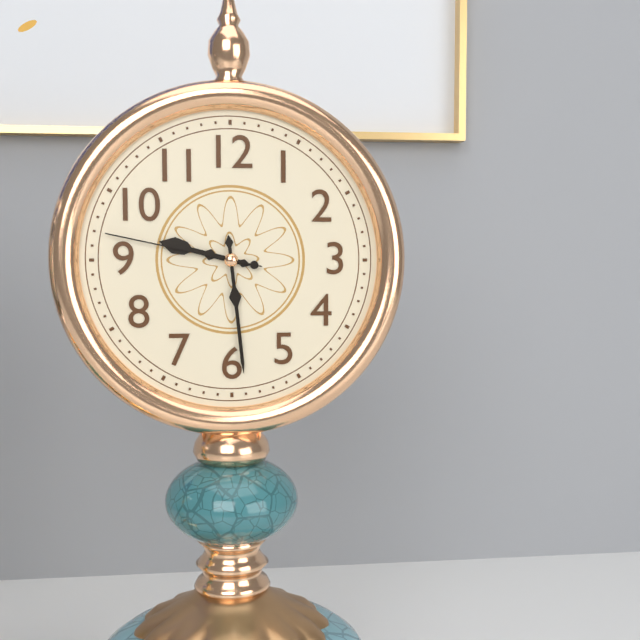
9.29.47
